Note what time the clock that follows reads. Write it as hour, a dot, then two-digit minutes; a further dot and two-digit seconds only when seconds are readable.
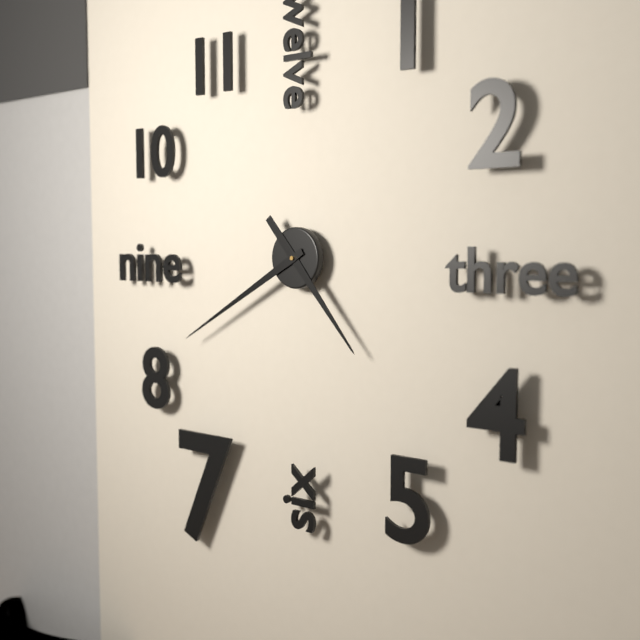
4.40
